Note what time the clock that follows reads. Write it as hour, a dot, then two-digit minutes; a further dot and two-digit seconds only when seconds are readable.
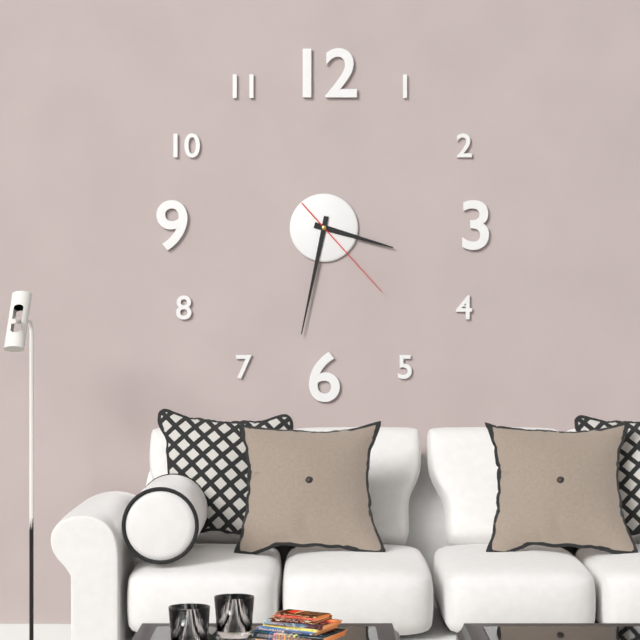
3.32.23
